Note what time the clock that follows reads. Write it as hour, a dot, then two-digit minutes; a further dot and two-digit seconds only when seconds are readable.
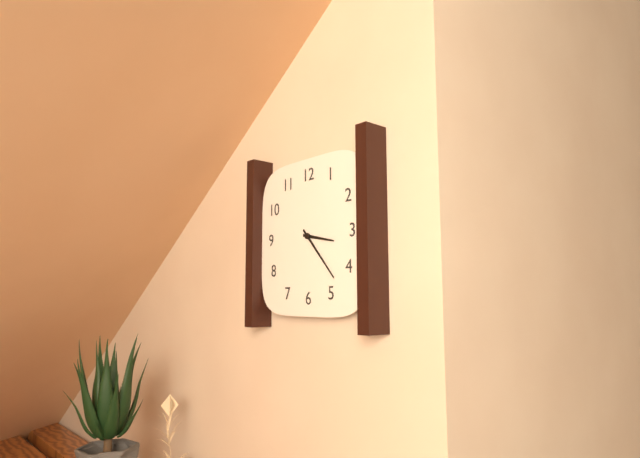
3.23
